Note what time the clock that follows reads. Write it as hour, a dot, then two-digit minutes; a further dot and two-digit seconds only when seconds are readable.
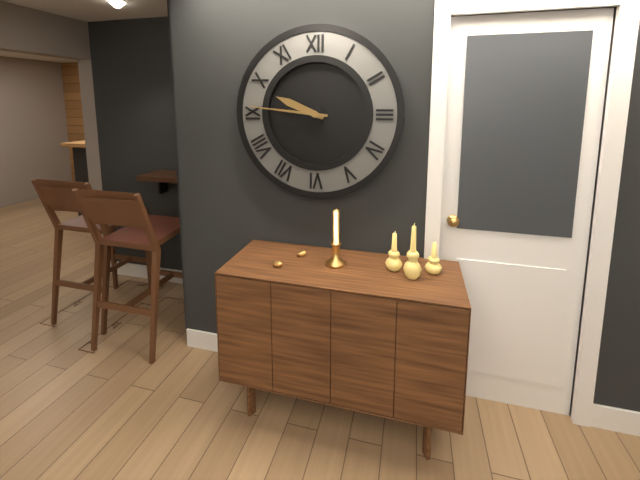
9.46
